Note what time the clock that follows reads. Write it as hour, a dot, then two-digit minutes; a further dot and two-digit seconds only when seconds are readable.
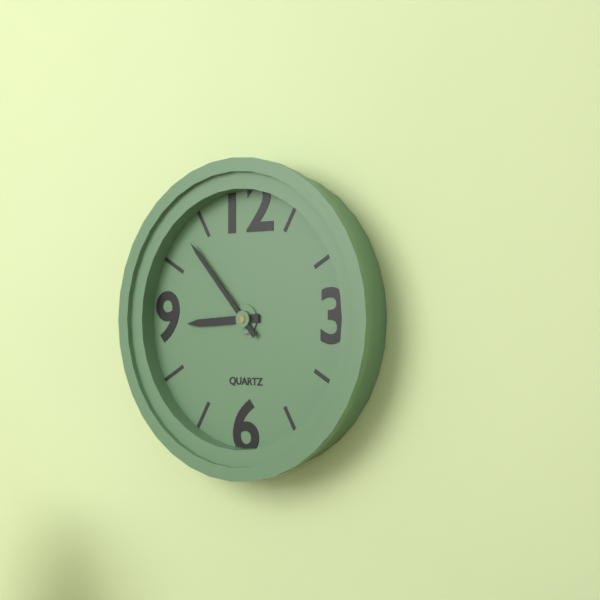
8.53
